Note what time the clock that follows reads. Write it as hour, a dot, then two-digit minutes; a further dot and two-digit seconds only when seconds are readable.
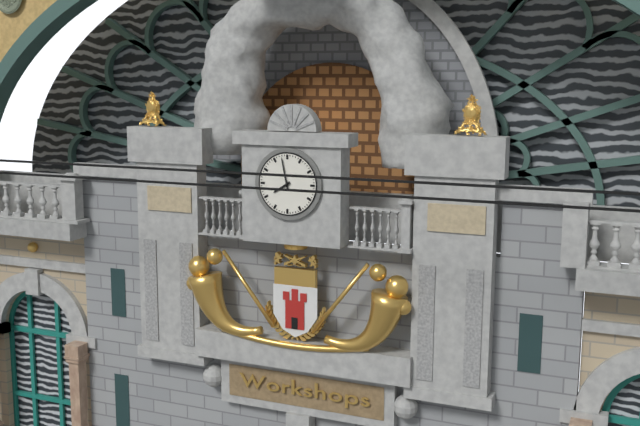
7.58
